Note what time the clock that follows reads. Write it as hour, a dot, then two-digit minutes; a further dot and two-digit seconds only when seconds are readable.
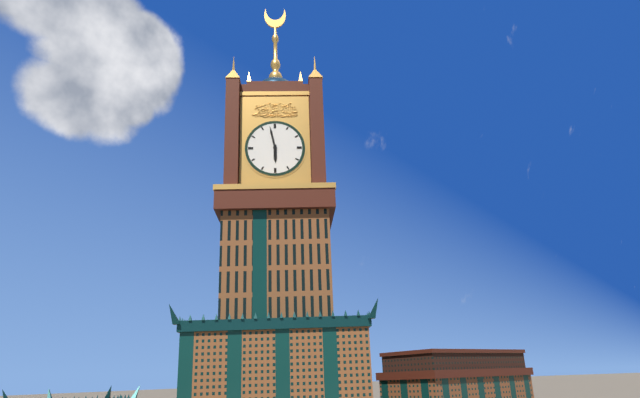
5.58
